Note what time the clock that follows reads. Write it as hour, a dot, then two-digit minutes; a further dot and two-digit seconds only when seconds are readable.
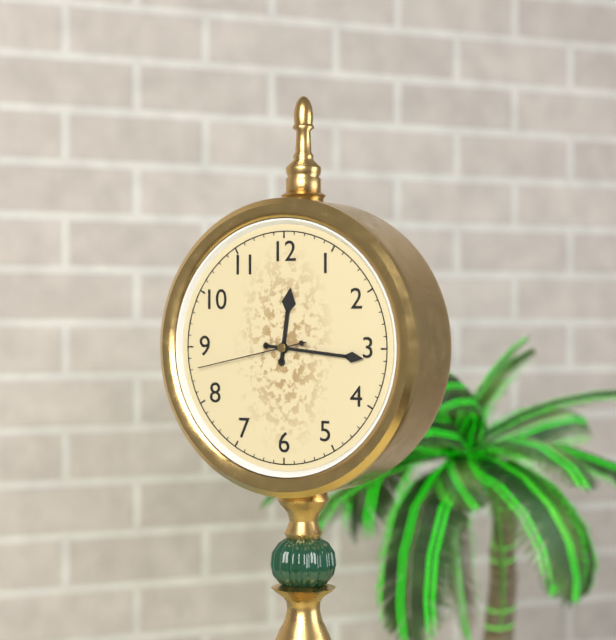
12.16.43
